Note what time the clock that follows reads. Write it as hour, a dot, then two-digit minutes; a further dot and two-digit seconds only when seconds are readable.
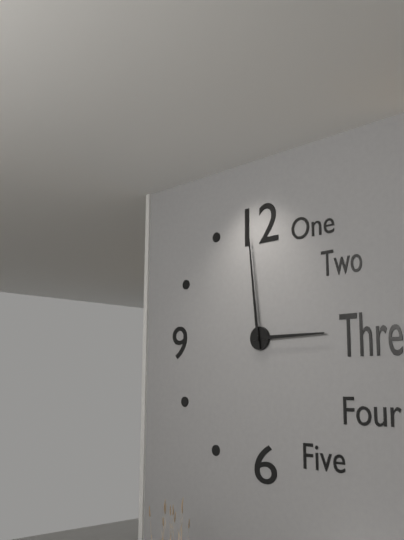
2.59
